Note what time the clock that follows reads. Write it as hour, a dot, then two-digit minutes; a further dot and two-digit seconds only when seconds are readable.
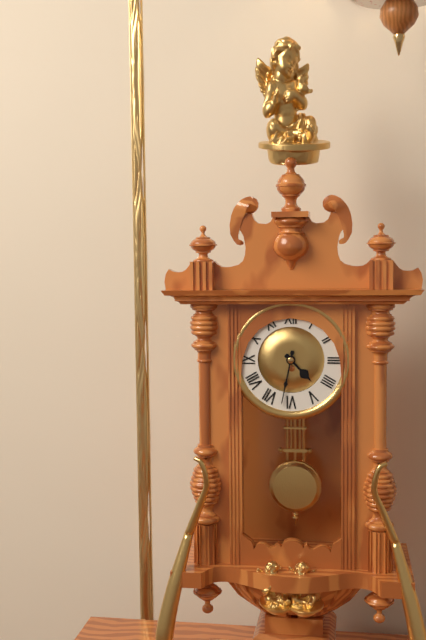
4.32
